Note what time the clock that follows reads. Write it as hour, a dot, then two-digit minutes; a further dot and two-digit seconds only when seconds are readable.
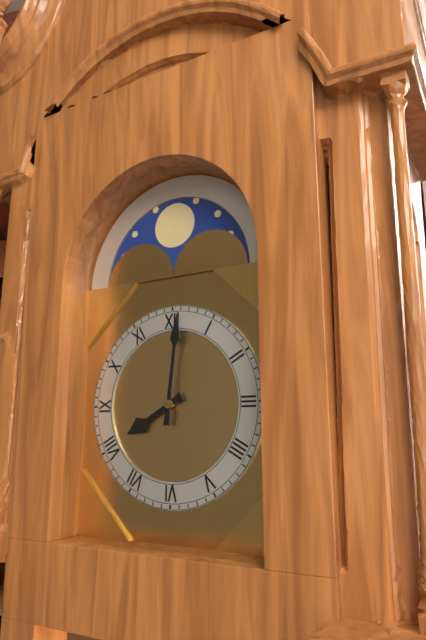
8.01
